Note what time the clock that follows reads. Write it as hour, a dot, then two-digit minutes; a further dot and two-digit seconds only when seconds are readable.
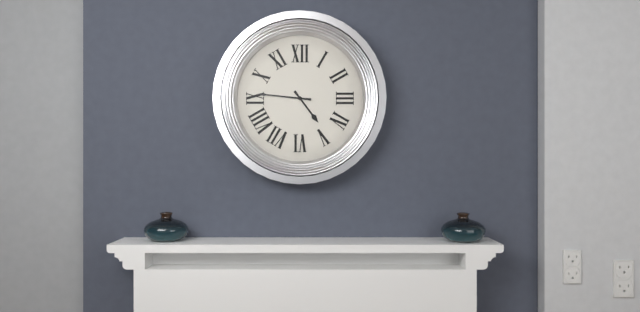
4.46
